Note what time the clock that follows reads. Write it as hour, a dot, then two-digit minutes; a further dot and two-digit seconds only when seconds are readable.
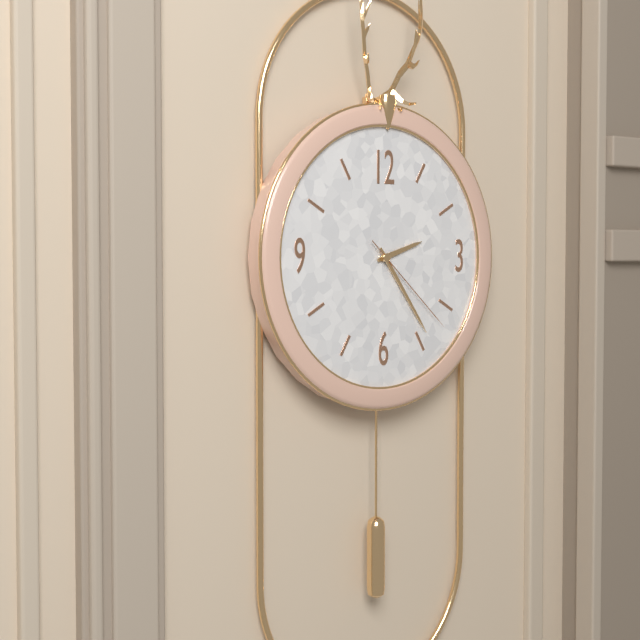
2.24.22
